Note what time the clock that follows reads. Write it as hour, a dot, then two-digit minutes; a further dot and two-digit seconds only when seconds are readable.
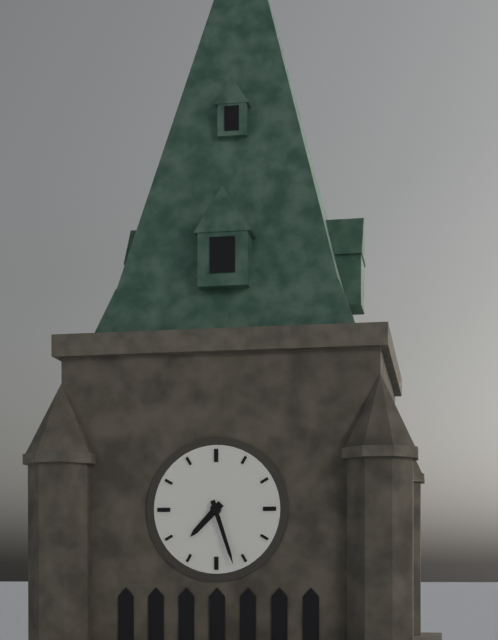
7.27
